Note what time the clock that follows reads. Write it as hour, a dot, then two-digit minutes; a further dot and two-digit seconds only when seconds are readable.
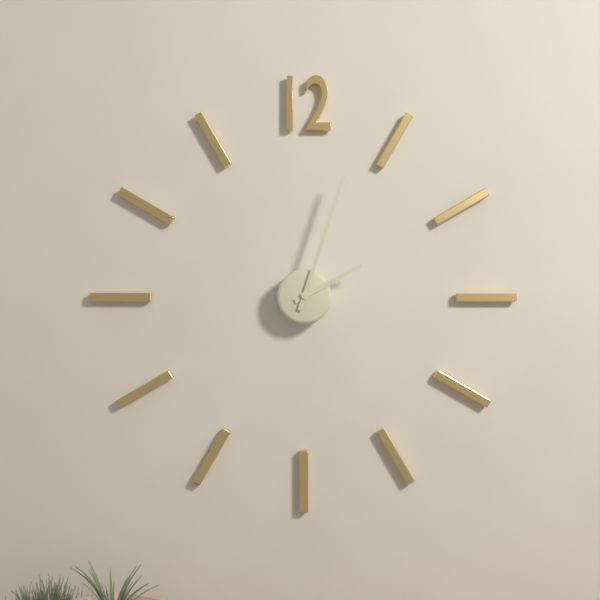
2.03
